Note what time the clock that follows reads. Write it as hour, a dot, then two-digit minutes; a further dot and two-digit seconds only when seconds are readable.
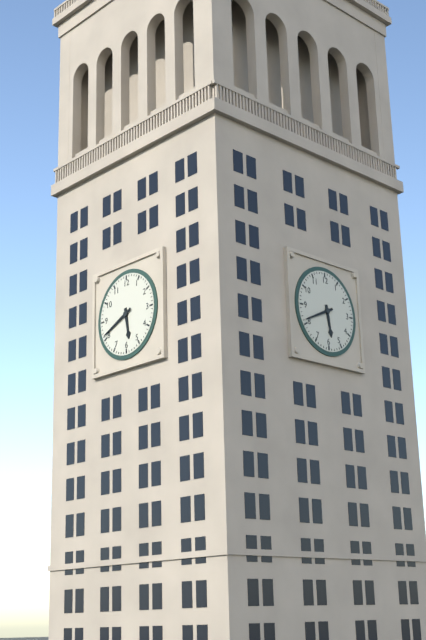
5.41
